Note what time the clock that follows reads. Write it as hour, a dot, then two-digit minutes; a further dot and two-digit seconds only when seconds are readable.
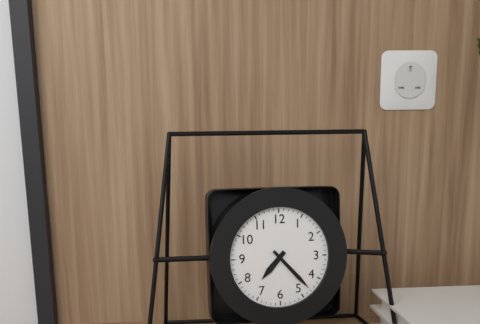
7.23
